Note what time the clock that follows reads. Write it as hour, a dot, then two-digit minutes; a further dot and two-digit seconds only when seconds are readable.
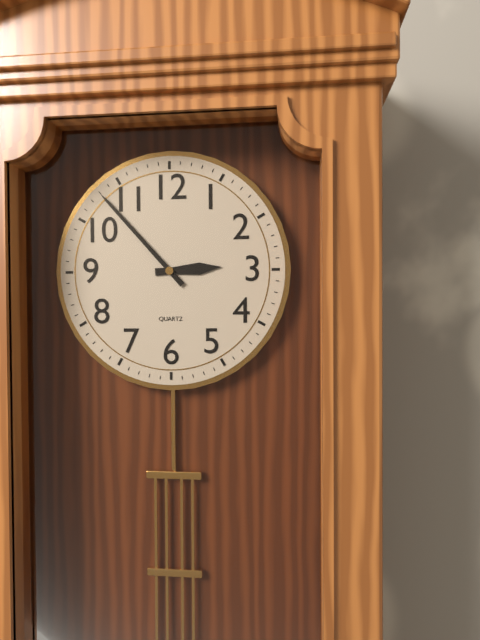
2.53
